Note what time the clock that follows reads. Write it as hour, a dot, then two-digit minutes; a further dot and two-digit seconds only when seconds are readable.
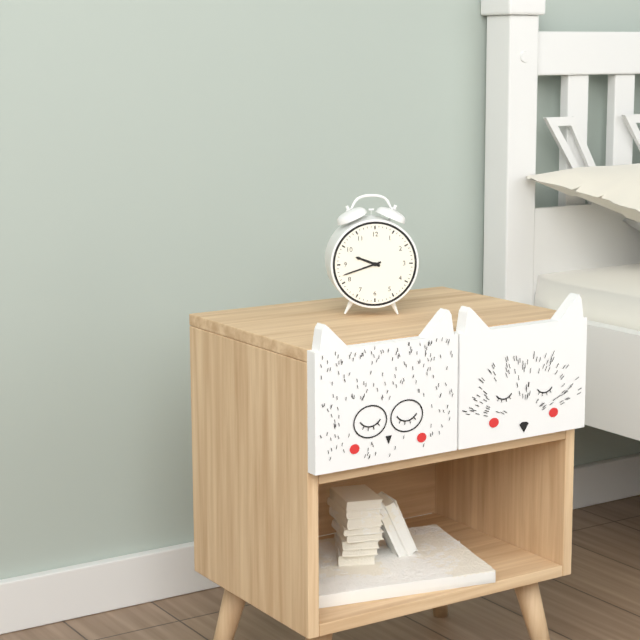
9.42
